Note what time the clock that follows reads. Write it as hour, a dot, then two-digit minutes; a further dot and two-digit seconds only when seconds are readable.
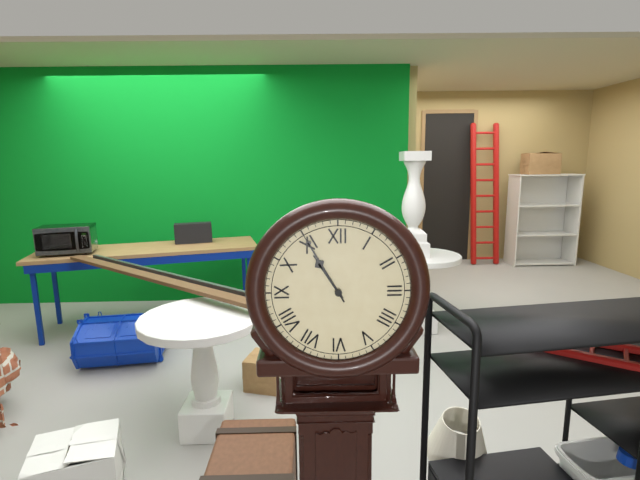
10.55
